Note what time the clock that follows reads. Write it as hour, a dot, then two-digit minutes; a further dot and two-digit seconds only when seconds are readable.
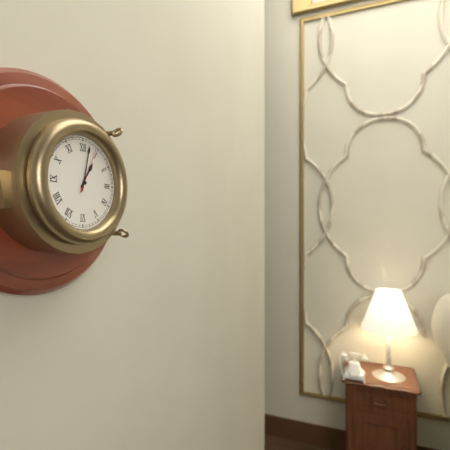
1.02
